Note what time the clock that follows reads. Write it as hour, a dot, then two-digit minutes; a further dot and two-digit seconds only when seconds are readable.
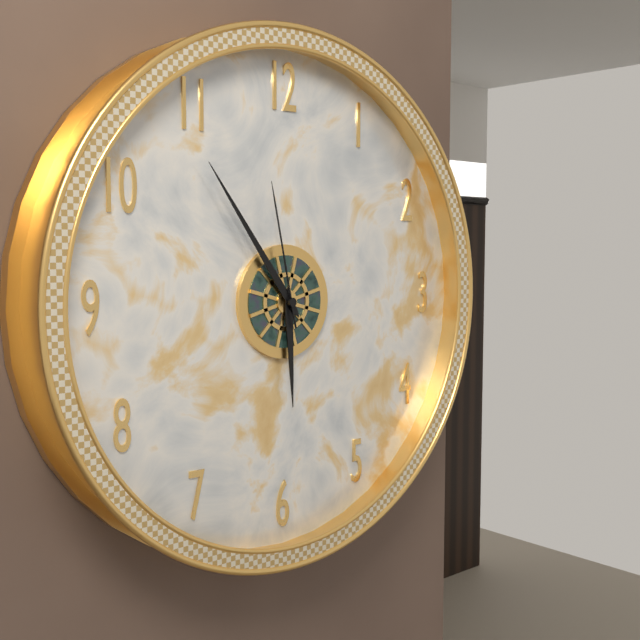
5.54.58
